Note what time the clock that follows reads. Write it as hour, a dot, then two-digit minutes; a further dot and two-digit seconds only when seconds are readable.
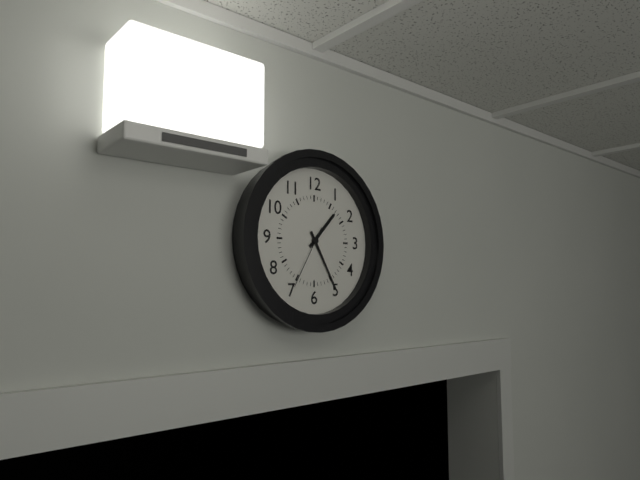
1.25.35
